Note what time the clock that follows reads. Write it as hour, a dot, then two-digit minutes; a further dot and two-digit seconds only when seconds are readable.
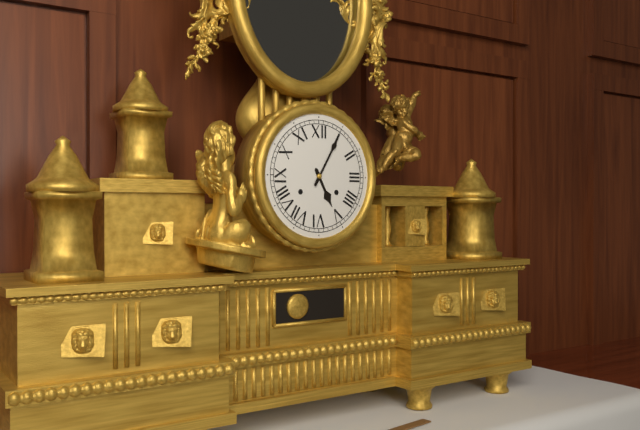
5.05
